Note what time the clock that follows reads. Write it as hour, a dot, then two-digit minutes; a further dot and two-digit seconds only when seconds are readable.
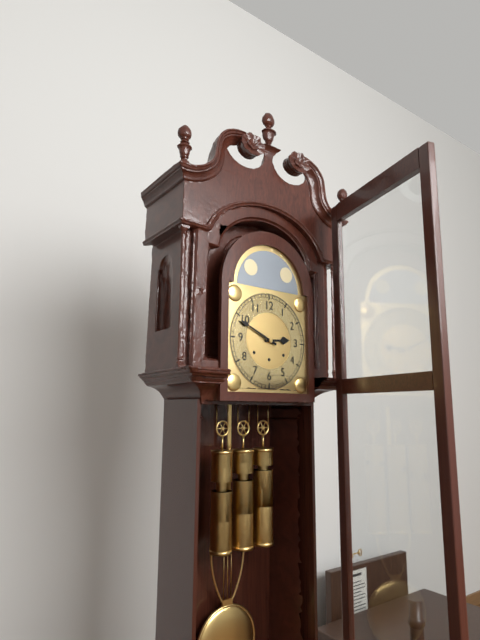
2.49
